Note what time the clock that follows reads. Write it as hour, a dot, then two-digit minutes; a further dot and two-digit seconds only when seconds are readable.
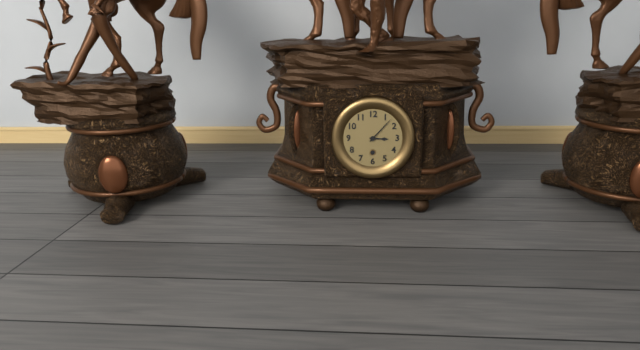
3.07
